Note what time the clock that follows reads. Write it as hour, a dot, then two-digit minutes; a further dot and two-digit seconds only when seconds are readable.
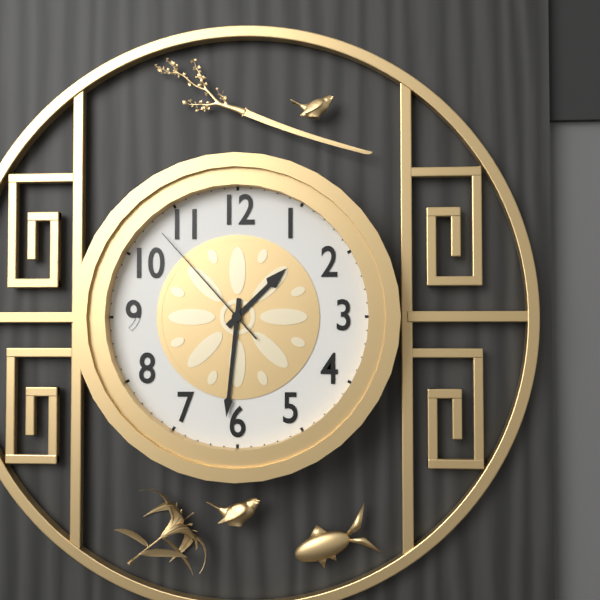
1.31.53
